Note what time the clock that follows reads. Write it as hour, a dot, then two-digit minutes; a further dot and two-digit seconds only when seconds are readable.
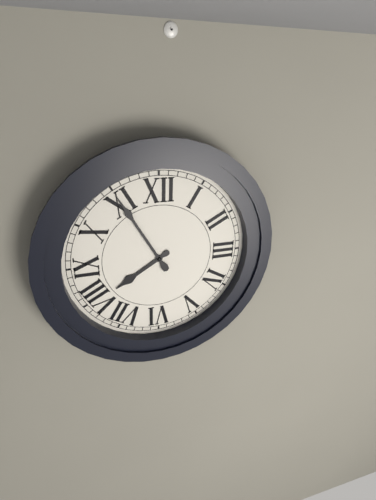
7.55
